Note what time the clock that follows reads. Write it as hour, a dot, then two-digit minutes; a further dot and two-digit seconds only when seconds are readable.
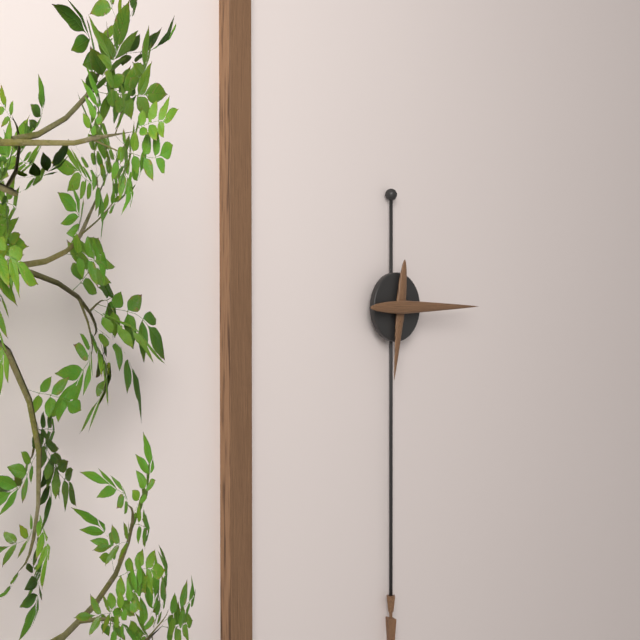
6.15
